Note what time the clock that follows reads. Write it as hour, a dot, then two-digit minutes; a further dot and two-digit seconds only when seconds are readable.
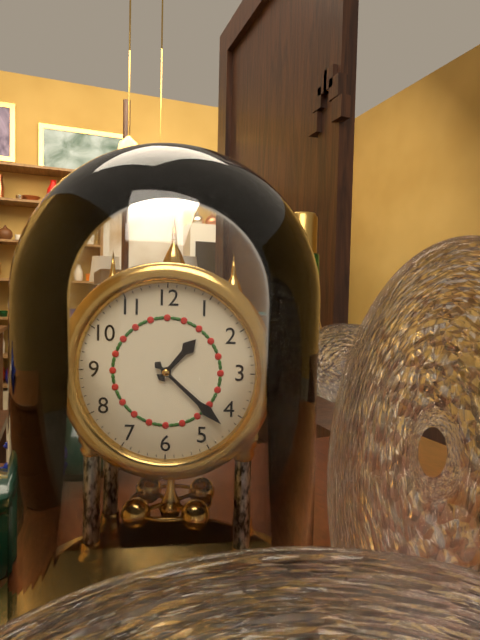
1.22
